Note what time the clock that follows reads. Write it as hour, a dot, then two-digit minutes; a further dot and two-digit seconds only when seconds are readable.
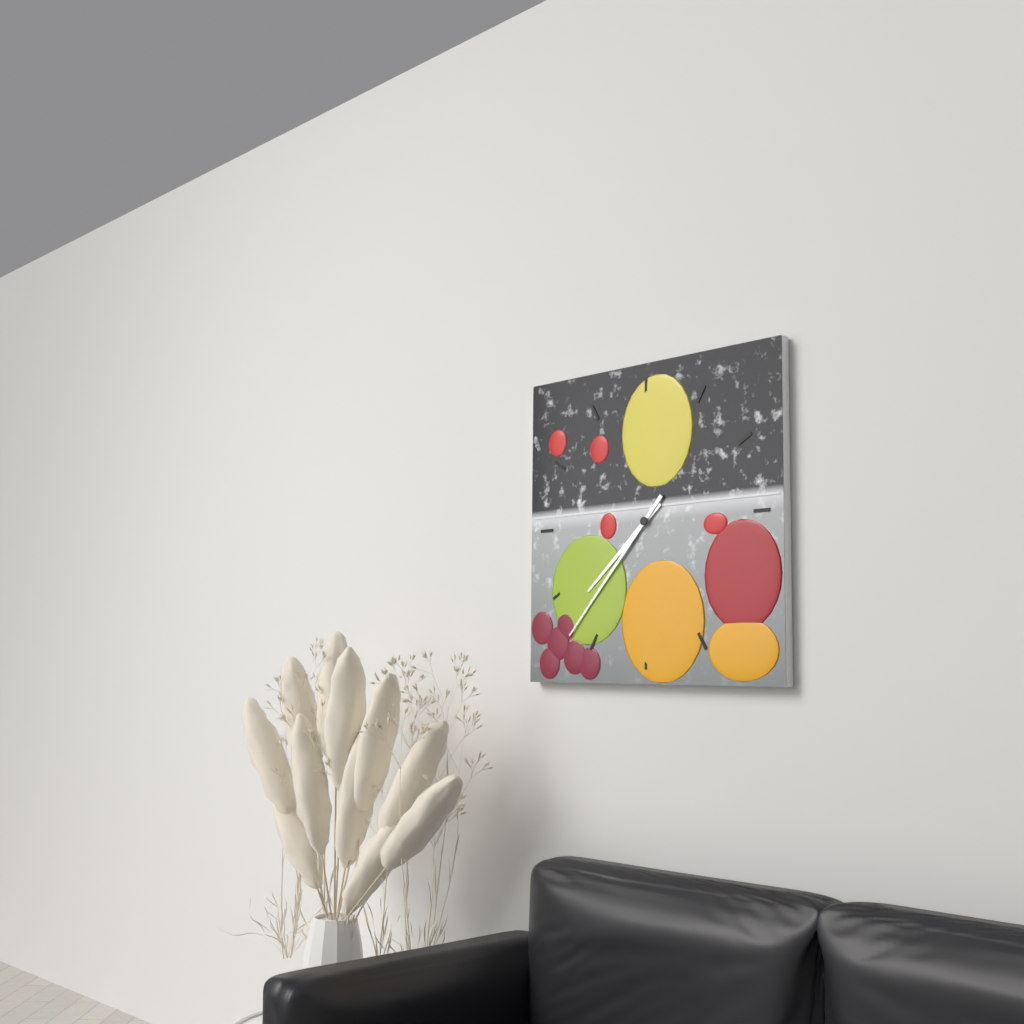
7.37
